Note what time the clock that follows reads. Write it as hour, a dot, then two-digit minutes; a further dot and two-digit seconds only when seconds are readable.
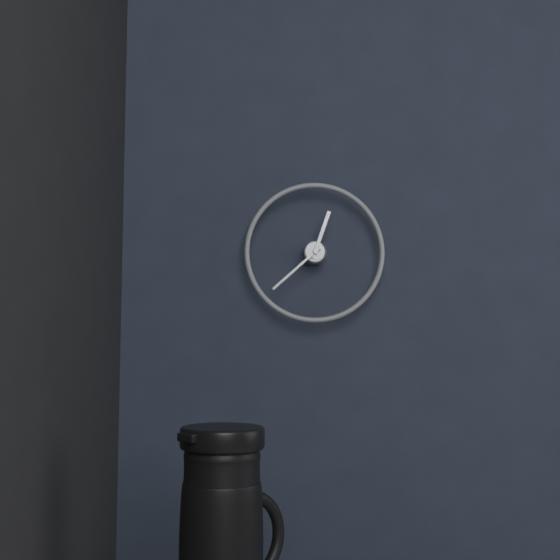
12.38
